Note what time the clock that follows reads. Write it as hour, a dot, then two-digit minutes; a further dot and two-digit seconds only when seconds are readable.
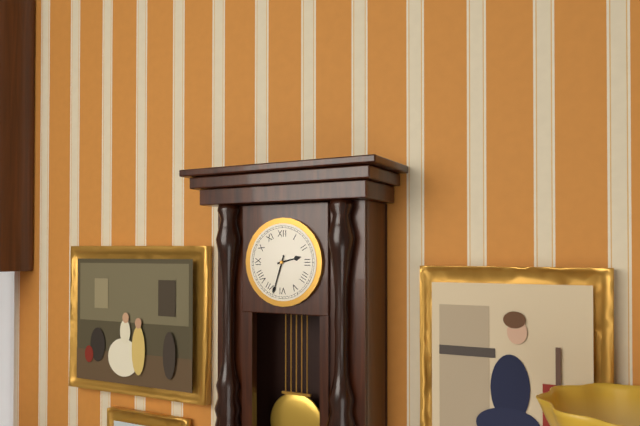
2.33
